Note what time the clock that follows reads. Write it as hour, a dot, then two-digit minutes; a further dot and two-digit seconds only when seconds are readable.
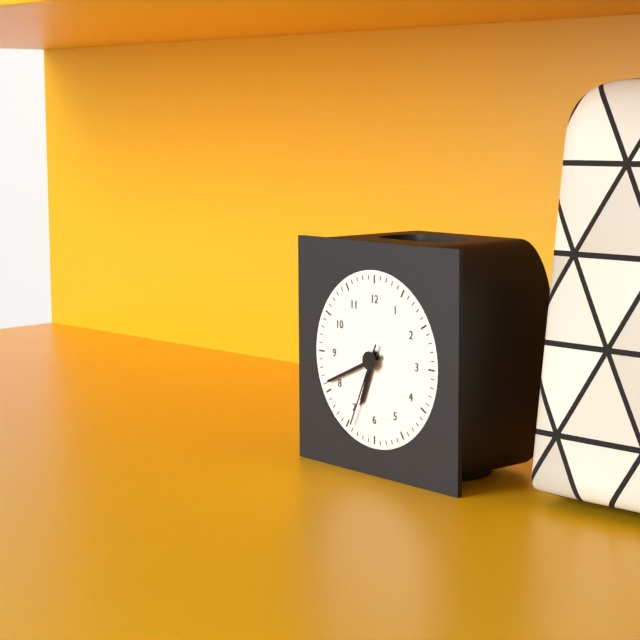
6.41.34
